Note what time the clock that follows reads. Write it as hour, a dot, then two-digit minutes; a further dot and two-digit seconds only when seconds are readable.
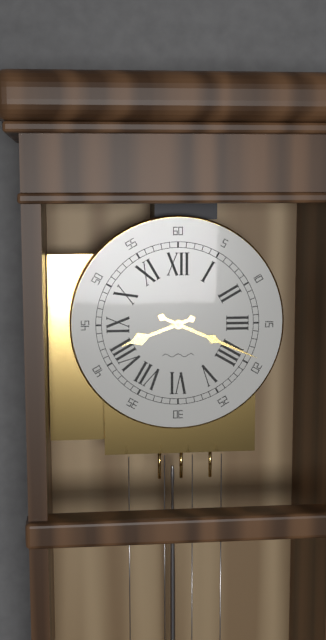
8.19
